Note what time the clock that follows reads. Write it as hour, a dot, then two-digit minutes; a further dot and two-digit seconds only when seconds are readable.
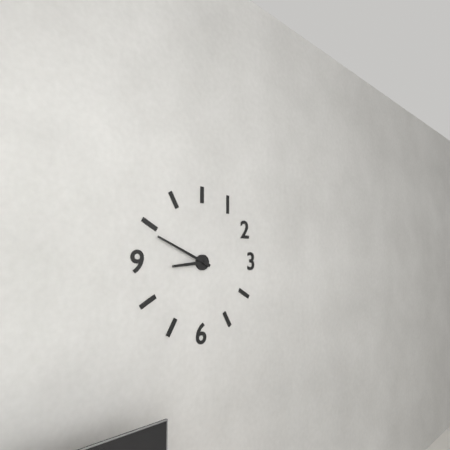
8.49
